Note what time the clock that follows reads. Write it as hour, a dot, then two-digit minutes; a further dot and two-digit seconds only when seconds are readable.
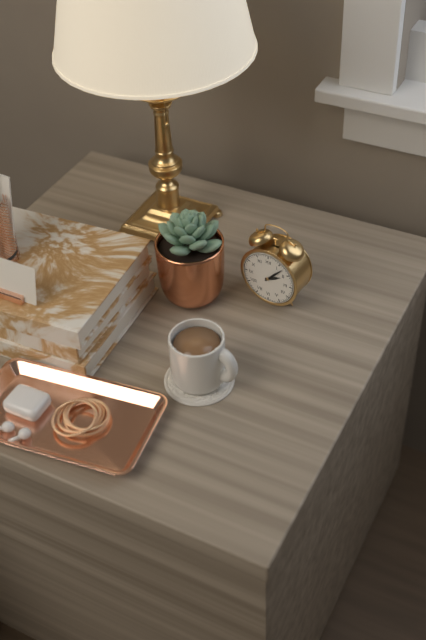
2.07
